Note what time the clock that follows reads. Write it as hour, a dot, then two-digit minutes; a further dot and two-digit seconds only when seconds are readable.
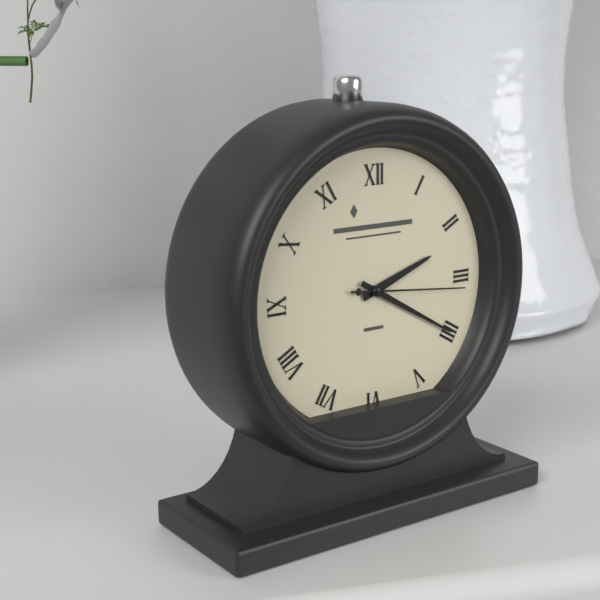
2.20.16
